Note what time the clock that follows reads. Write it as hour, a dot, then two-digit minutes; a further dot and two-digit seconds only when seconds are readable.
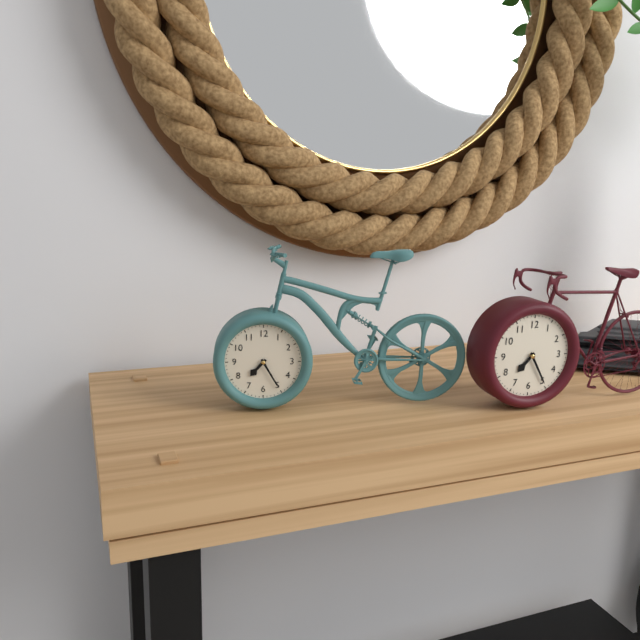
7.25
